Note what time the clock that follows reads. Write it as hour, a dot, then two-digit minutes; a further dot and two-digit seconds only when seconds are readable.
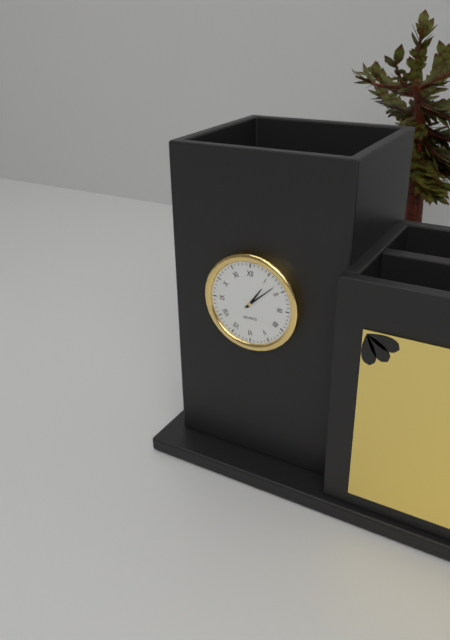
1.08
